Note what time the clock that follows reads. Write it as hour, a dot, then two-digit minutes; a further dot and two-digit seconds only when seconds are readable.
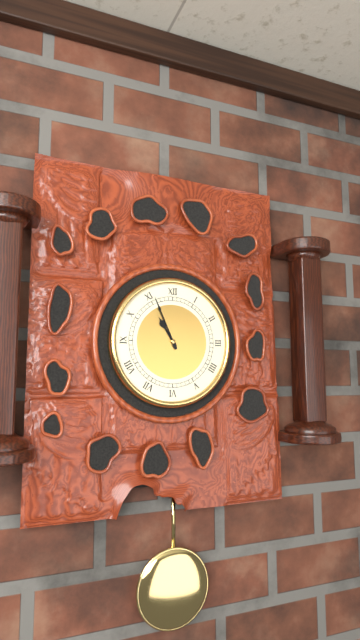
10.56
